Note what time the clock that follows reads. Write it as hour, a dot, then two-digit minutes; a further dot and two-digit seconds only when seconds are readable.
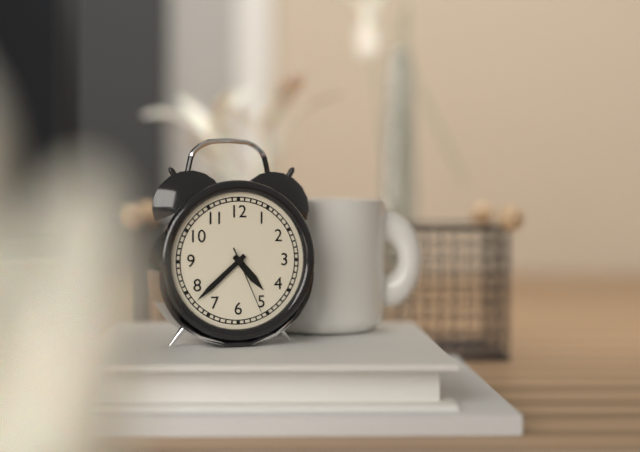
4.38.26
